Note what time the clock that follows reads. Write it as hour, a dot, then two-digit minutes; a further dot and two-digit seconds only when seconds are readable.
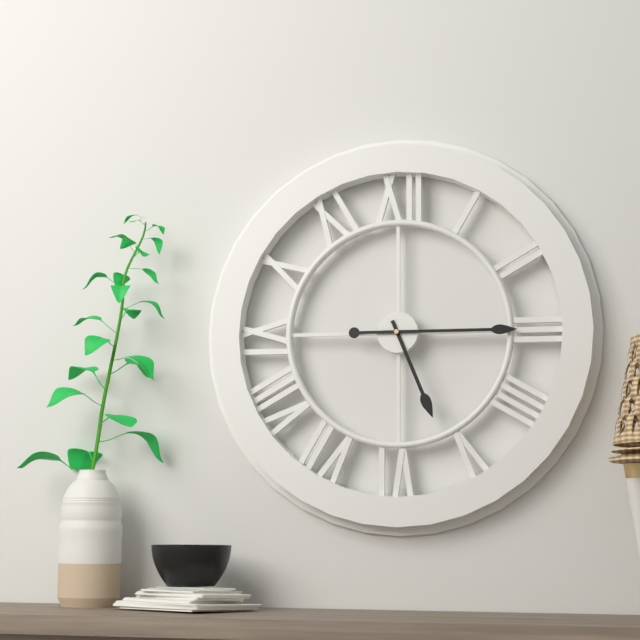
5.15
